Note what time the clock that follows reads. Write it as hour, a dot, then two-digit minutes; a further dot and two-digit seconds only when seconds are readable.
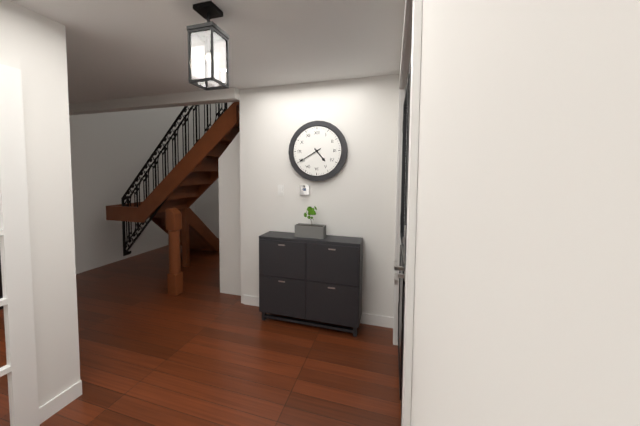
4.40
